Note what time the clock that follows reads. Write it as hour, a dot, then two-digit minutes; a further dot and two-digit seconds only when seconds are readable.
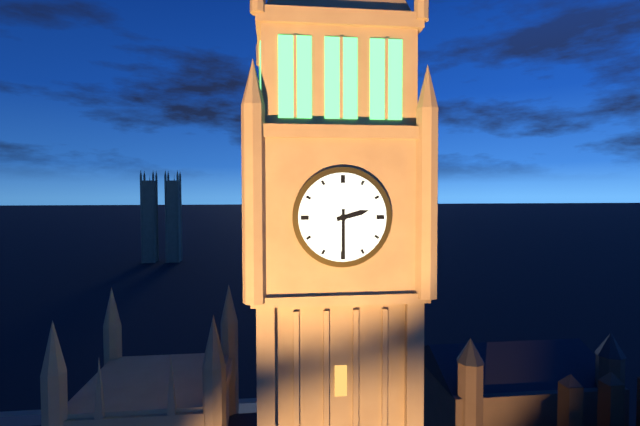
2.30
